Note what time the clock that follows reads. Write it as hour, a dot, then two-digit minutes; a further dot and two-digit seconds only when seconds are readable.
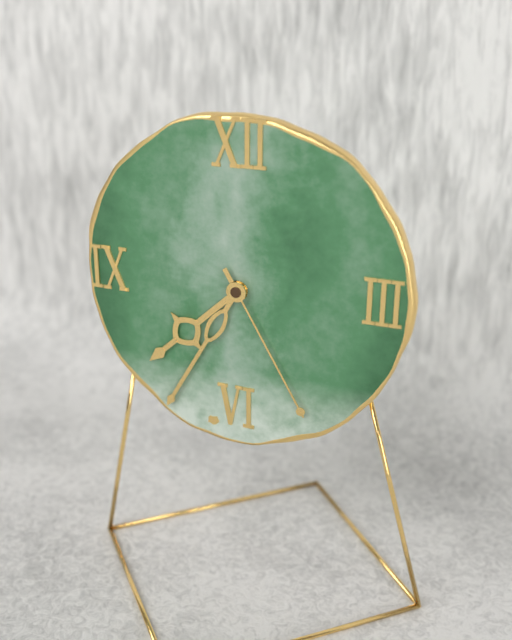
7.35.25
